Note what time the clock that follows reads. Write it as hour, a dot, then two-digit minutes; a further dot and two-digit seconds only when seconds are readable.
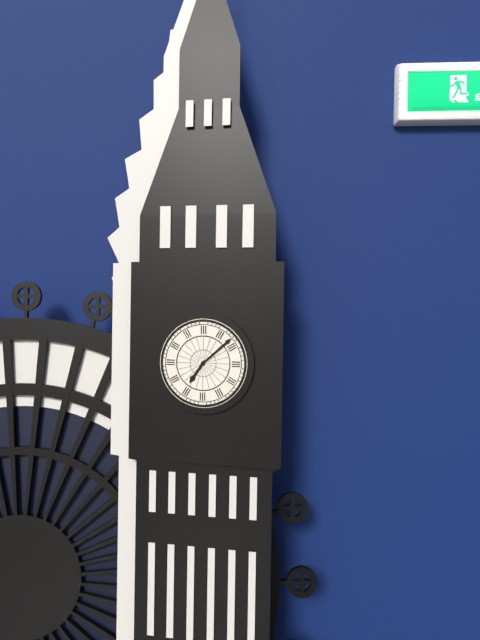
7.08
